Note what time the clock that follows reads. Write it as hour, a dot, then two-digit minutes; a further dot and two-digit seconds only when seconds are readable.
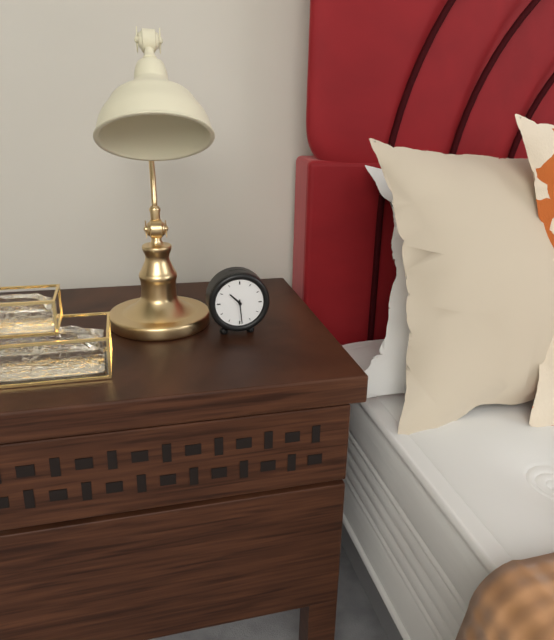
10.29
